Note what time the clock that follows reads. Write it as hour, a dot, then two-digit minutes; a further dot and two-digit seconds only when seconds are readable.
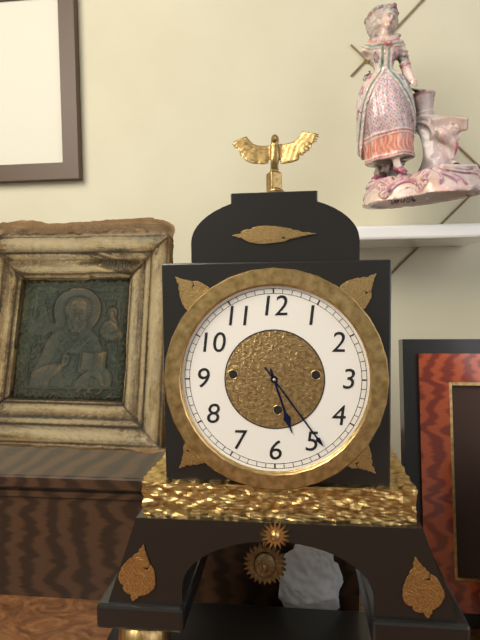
5.24
